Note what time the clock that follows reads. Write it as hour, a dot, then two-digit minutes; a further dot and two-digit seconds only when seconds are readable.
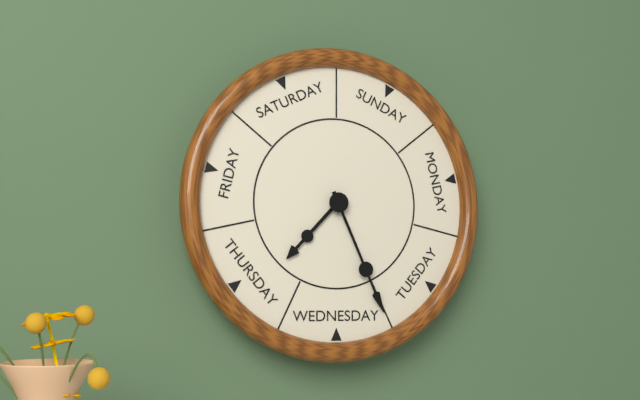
7.26
